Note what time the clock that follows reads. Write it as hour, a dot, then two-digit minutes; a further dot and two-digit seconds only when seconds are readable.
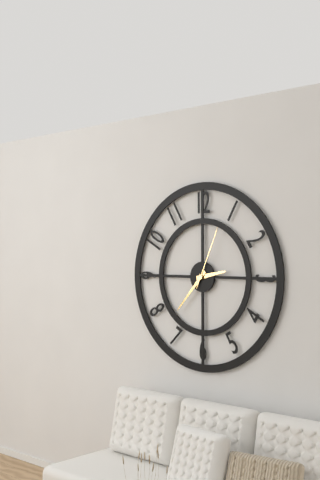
2.37.04
